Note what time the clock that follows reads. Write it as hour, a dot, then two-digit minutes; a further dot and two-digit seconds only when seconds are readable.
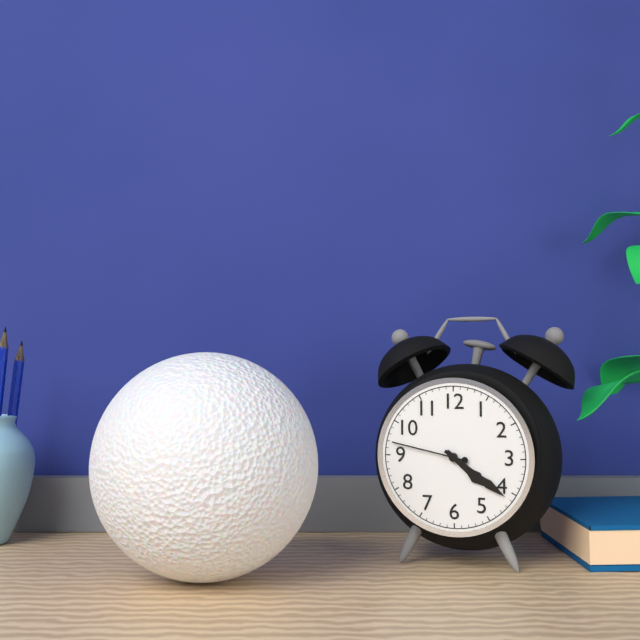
4.21.47
